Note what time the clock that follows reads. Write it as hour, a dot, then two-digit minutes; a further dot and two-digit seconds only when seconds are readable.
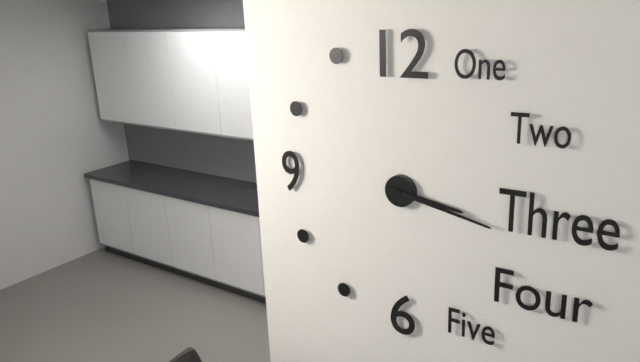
3.17
